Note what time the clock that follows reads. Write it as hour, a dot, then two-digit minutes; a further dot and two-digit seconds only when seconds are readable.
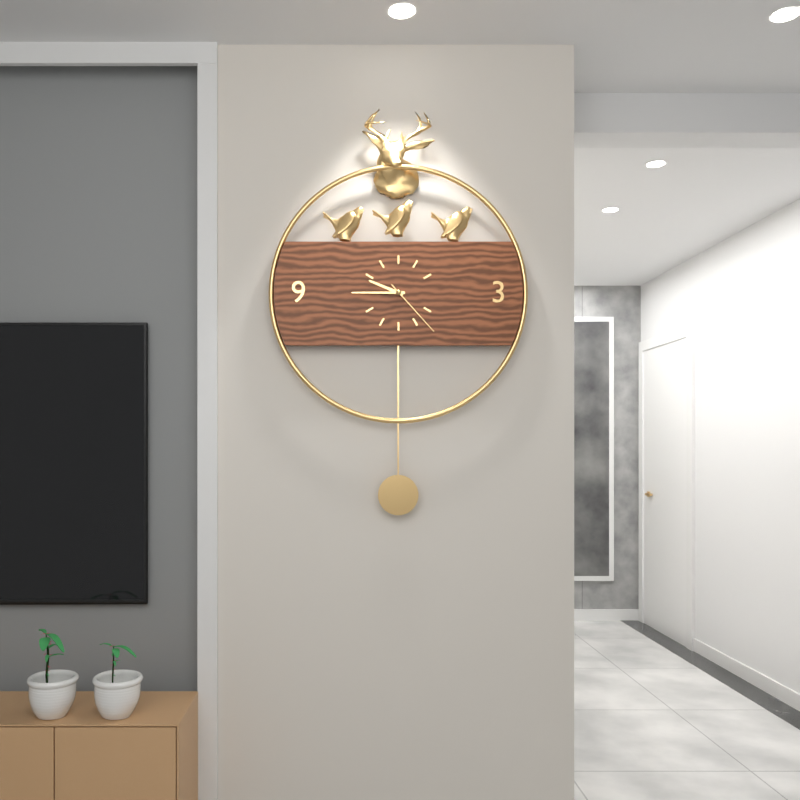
9.45.23
